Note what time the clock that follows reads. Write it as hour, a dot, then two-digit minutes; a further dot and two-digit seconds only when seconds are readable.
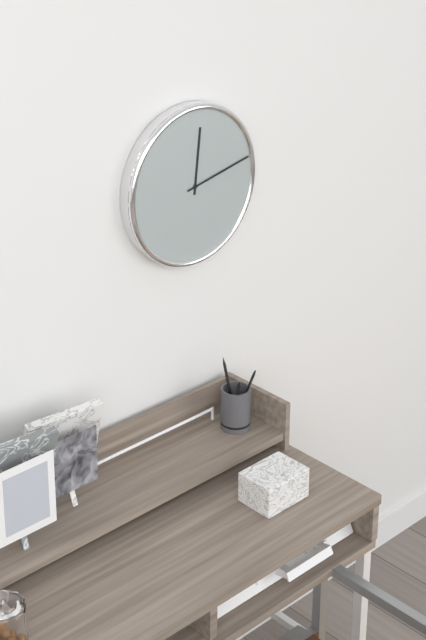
12.13
